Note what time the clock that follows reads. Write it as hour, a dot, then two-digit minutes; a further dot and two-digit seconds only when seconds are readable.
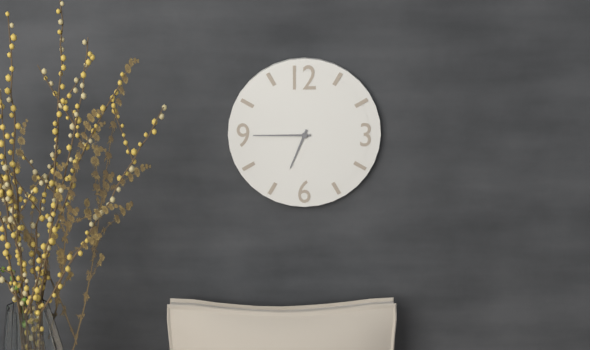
6.45
